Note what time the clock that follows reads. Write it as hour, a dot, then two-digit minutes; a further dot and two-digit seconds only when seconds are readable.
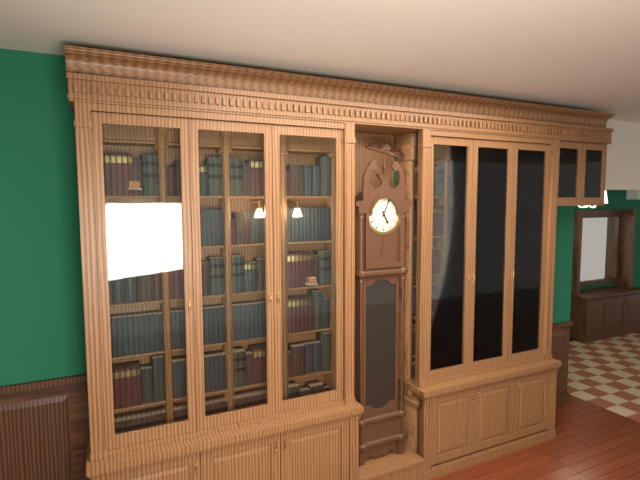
5.04
